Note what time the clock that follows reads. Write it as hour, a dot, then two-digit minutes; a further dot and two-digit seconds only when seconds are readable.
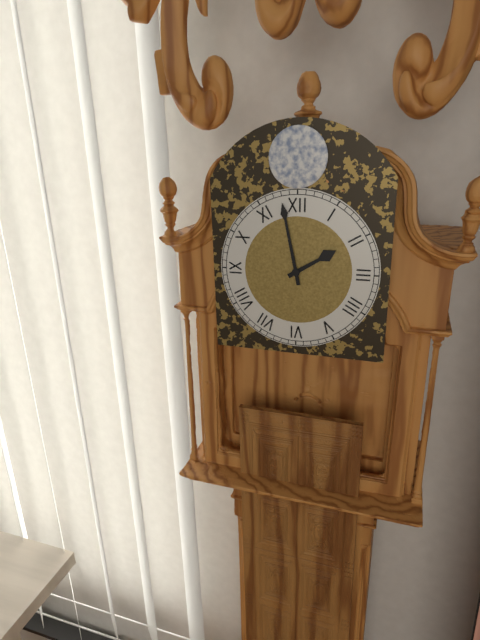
1.58
